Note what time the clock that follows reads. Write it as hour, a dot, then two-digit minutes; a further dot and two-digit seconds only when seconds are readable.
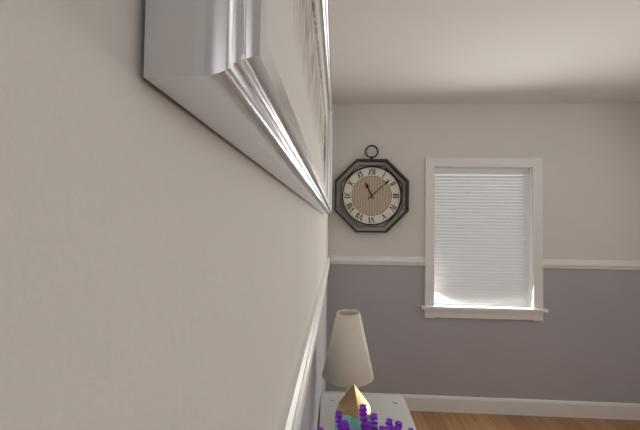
11.08
